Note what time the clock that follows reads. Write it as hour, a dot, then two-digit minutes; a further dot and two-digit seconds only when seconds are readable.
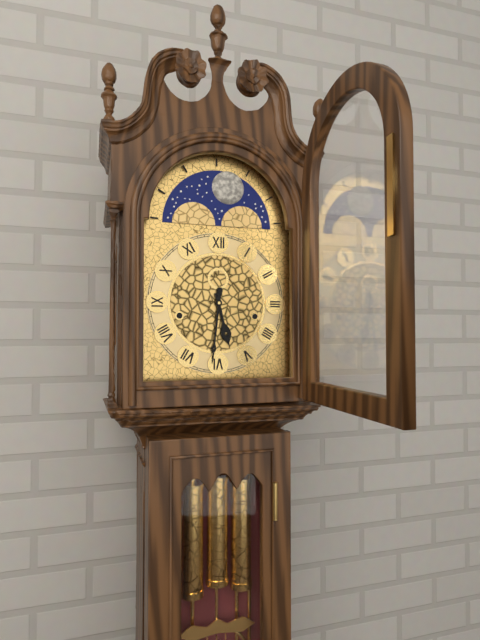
5.31
